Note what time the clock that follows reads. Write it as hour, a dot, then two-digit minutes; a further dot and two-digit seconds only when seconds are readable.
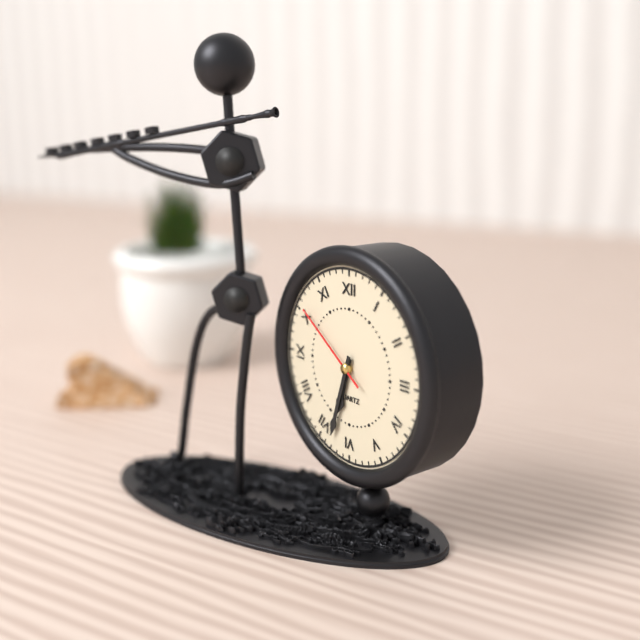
6.33.51
